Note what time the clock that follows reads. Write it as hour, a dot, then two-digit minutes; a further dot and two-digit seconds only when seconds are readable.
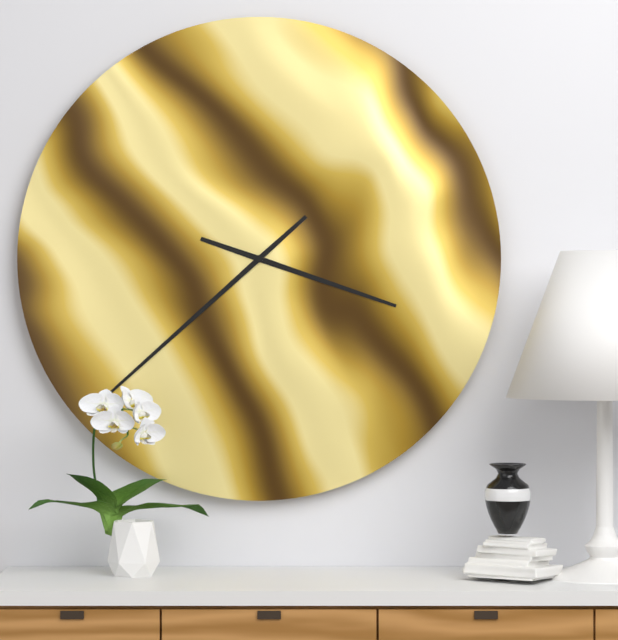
3.38
